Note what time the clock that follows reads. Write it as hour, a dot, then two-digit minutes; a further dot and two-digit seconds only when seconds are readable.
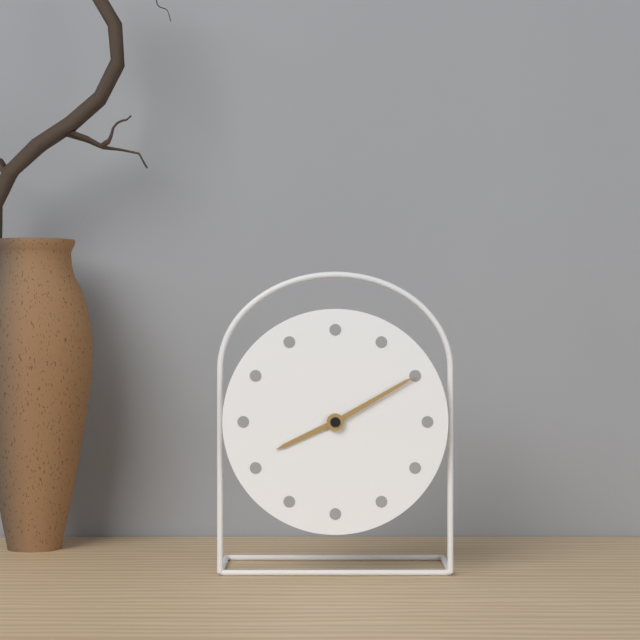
8.10
